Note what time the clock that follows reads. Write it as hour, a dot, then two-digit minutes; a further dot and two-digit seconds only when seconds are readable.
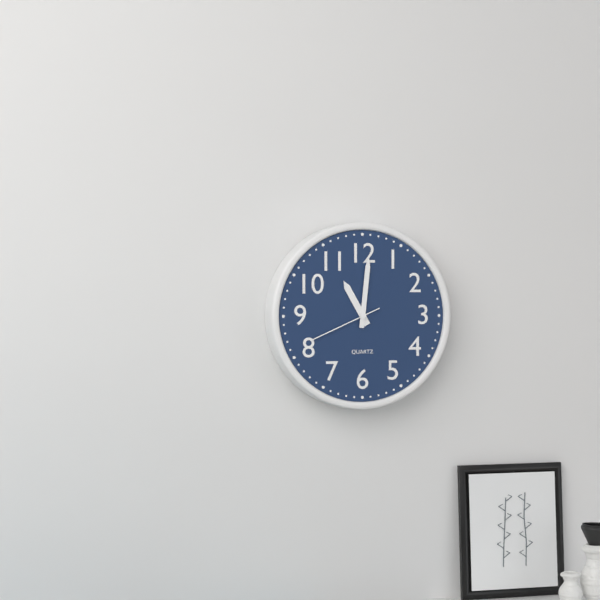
11.01.41
